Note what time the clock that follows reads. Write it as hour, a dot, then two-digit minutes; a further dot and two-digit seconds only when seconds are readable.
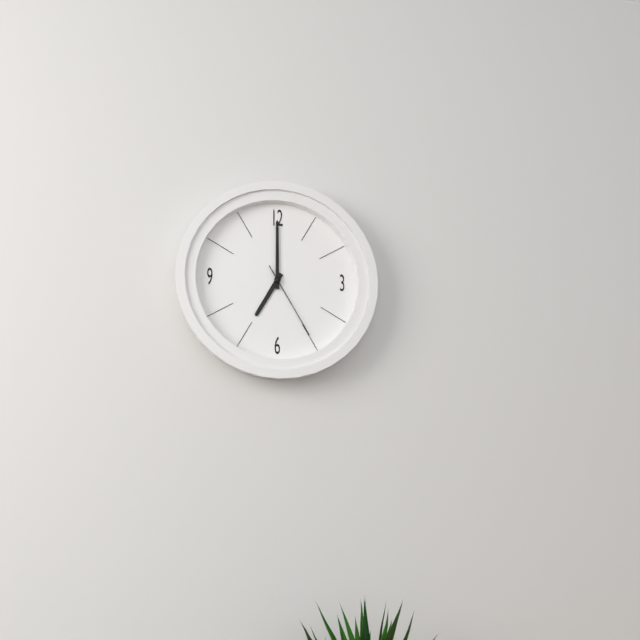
7.00.25
